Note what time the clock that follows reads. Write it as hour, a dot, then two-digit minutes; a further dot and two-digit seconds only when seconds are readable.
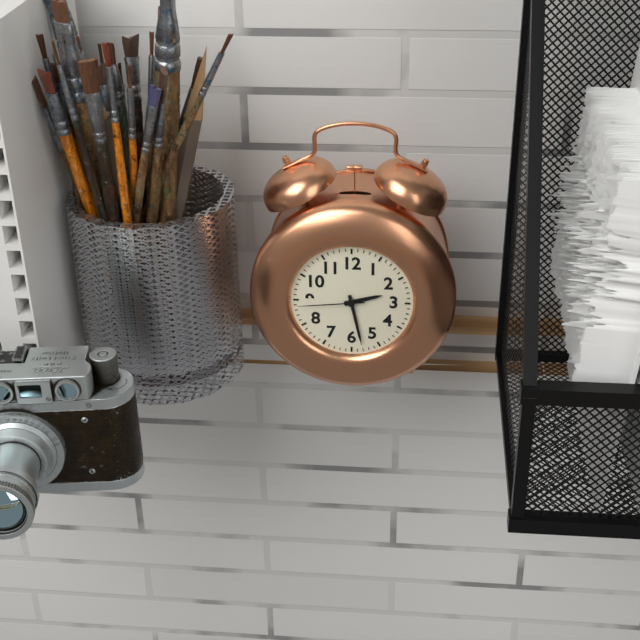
2.28.44
